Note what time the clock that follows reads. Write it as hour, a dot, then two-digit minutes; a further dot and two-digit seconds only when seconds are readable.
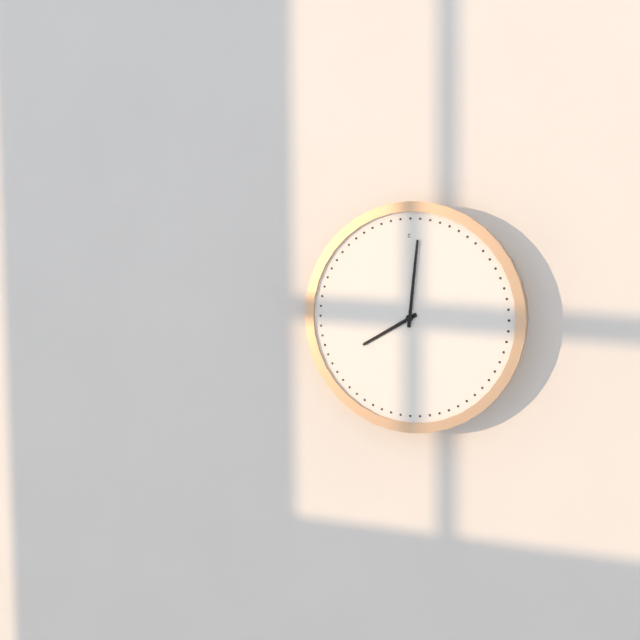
8.01
